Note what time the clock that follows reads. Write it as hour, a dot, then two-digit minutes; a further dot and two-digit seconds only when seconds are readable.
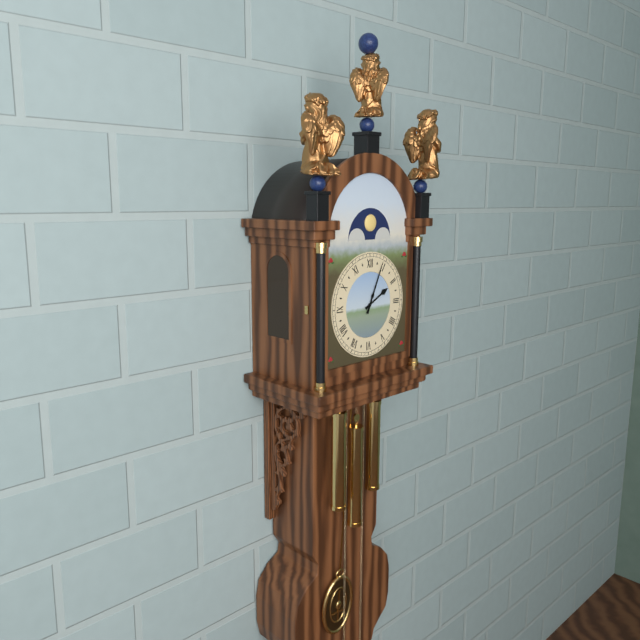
2.04
